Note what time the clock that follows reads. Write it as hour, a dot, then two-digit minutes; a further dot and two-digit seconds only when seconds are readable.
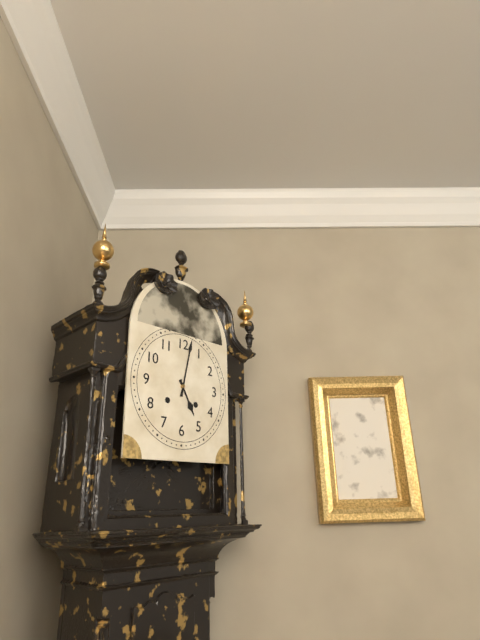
5.02
